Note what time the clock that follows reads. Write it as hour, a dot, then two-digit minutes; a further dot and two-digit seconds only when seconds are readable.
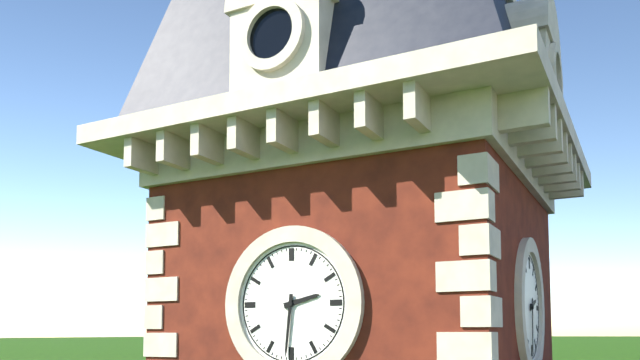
2.31
